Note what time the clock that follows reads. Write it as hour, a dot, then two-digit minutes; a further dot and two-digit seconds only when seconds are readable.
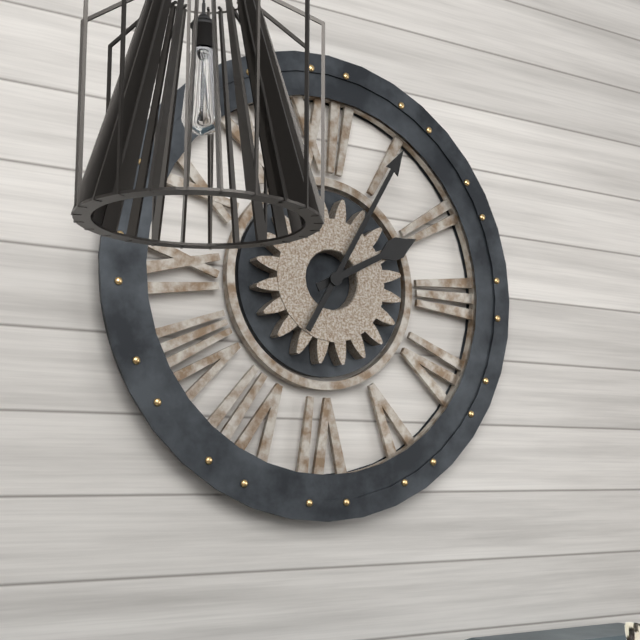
2.05
